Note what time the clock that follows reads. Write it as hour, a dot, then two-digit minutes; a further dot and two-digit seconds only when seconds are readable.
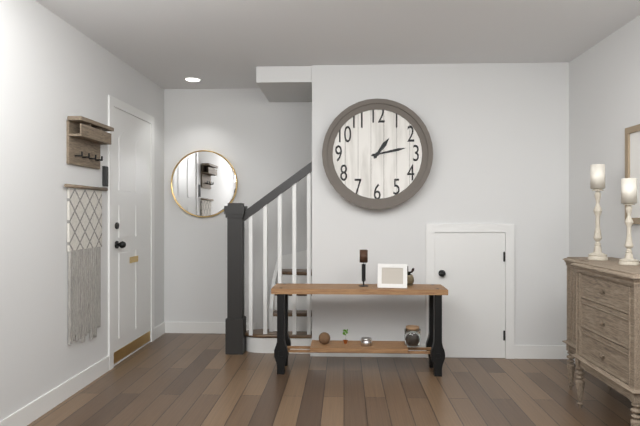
1.13
